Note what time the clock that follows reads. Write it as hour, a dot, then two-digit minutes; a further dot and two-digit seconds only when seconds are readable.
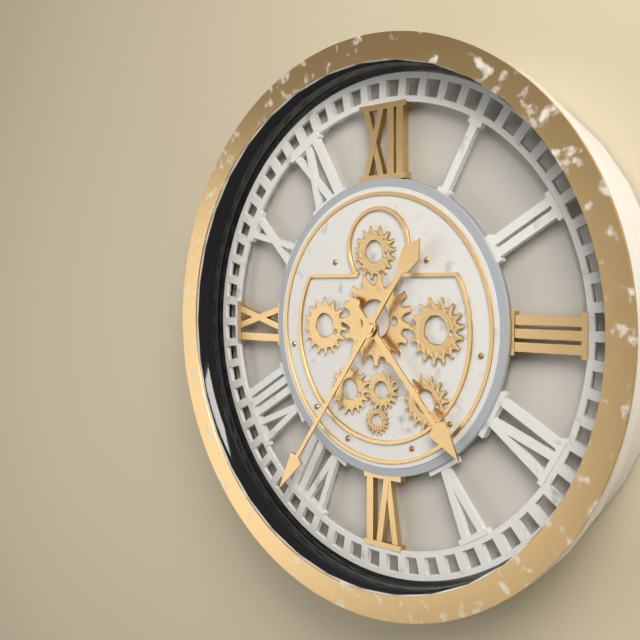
4.36
